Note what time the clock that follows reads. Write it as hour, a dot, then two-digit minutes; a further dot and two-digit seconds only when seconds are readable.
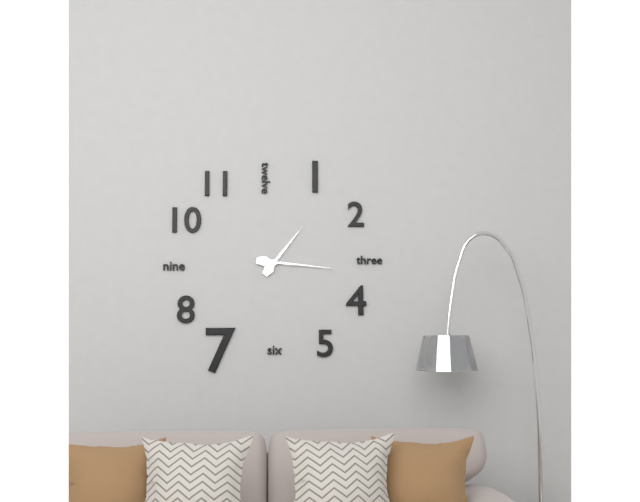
1.16
